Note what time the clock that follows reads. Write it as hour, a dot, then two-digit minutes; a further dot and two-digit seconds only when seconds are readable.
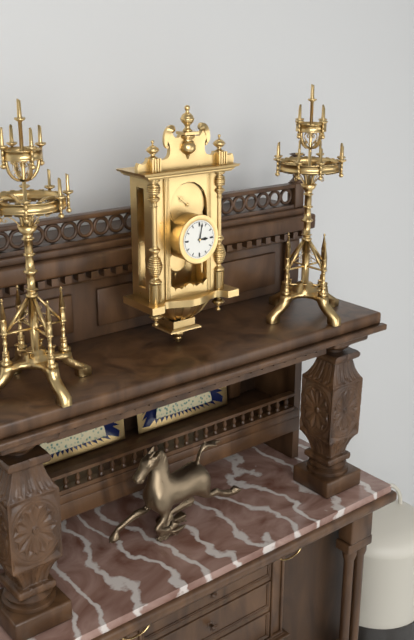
3.02
